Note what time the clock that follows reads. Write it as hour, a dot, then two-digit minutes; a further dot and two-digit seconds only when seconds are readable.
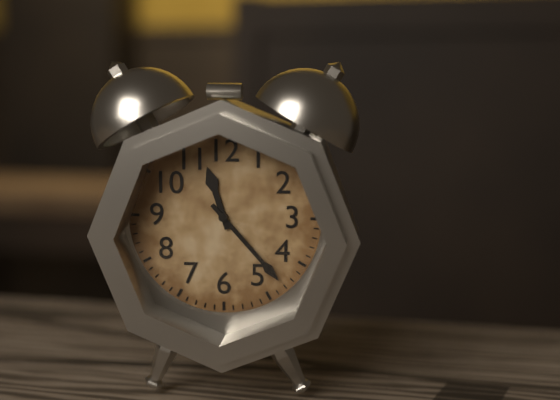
11.23
